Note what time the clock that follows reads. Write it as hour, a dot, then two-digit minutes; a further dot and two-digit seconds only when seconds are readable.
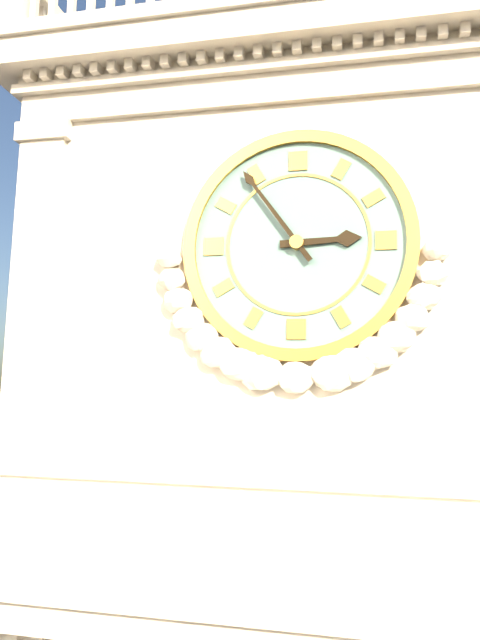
2.54
